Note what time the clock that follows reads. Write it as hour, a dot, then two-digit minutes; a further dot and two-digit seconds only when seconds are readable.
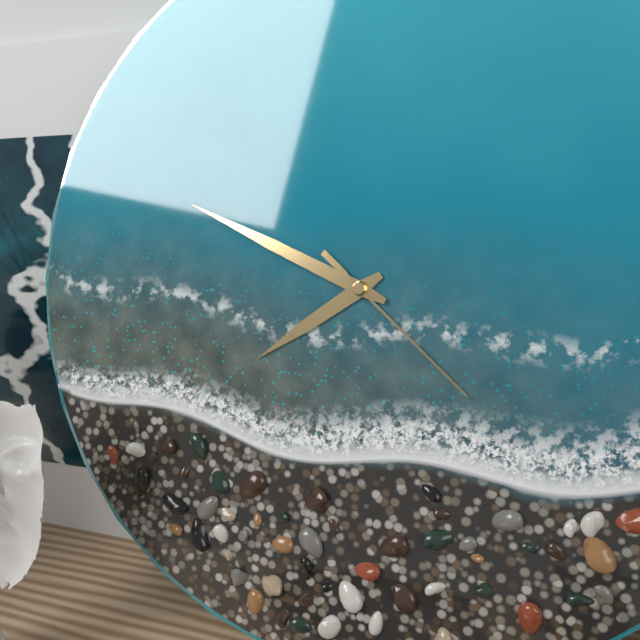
7.49.22
